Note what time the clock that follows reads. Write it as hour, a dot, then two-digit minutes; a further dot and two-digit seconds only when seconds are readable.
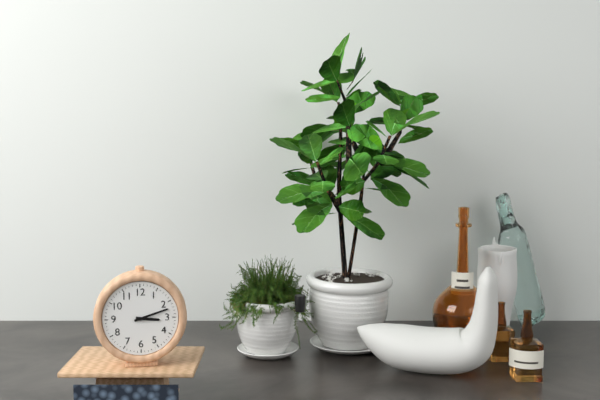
3.12
